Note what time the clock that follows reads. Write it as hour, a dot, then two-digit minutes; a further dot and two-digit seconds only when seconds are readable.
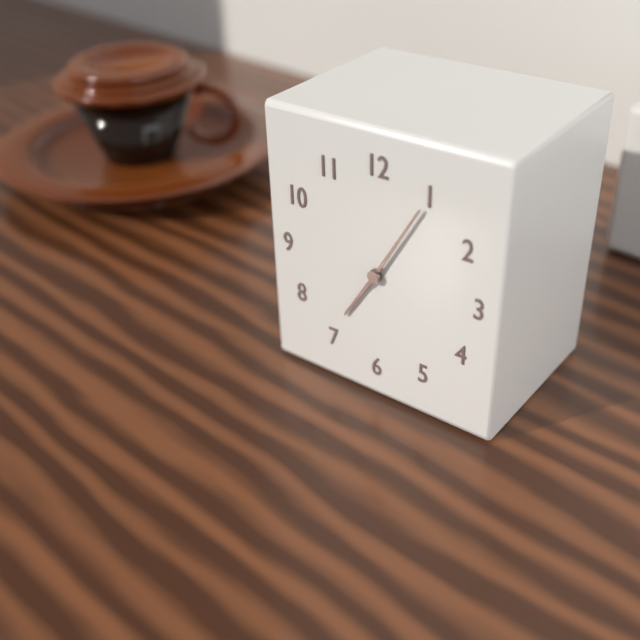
7.05
